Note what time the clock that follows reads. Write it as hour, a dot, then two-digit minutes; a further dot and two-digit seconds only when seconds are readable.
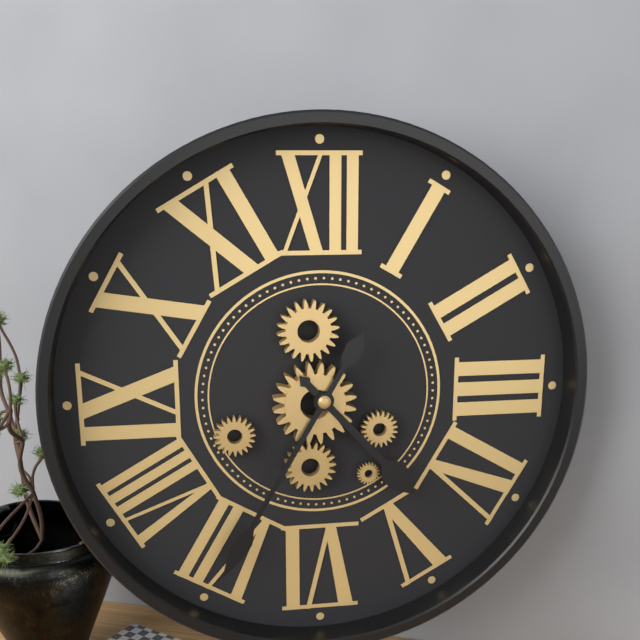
4.35
